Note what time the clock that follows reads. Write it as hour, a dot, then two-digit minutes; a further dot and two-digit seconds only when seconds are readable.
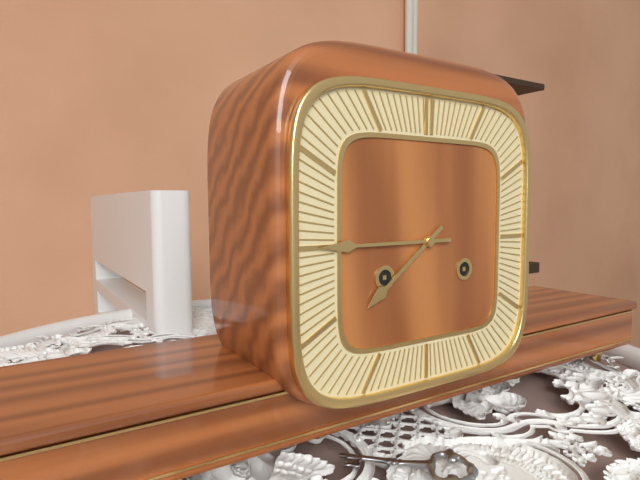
7.45
